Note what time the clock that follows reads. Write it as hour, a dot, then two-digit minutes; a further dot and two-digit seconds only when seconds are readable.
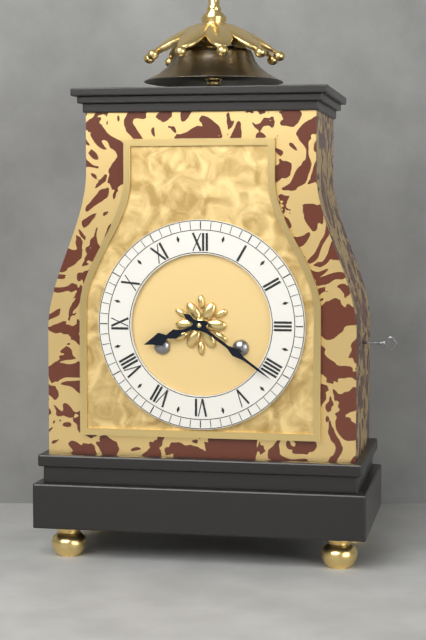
8.21
